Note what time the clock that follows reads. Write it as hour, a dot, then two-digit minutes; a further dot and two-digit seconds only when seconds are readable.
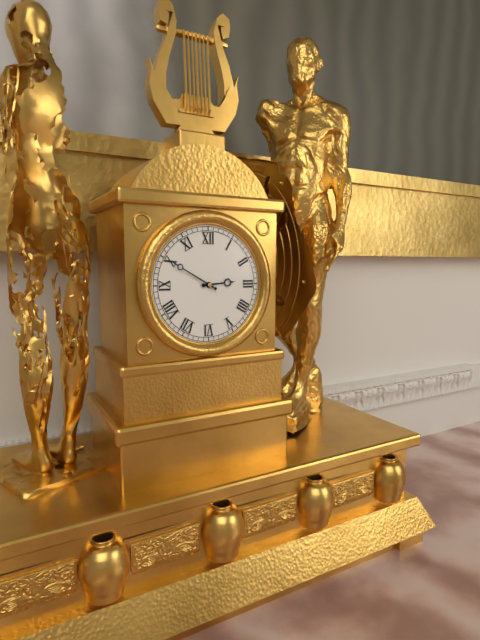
2.50
